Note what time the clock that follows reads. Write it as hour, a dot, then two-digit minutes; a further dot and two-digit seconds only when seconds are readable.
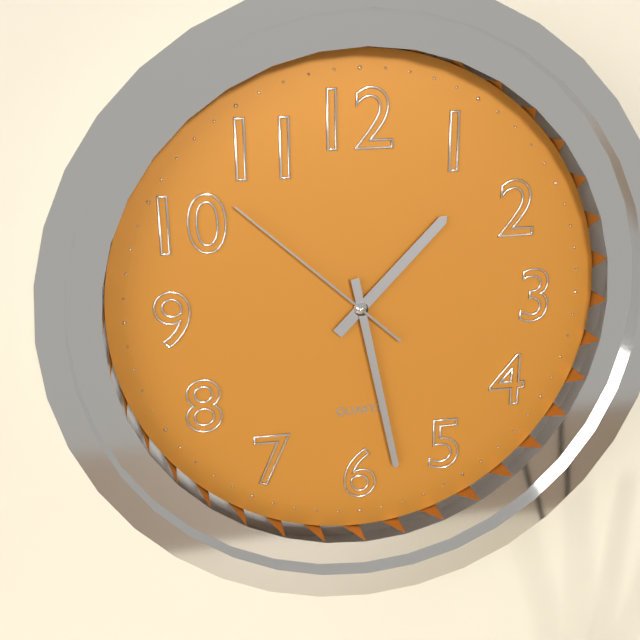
1.28.52
